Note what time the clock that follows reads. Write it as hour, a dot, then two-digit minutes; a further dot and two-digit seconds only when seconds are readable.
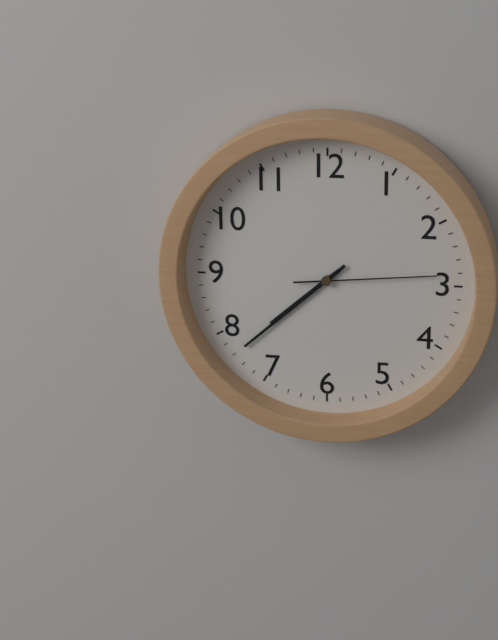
7.38.14
